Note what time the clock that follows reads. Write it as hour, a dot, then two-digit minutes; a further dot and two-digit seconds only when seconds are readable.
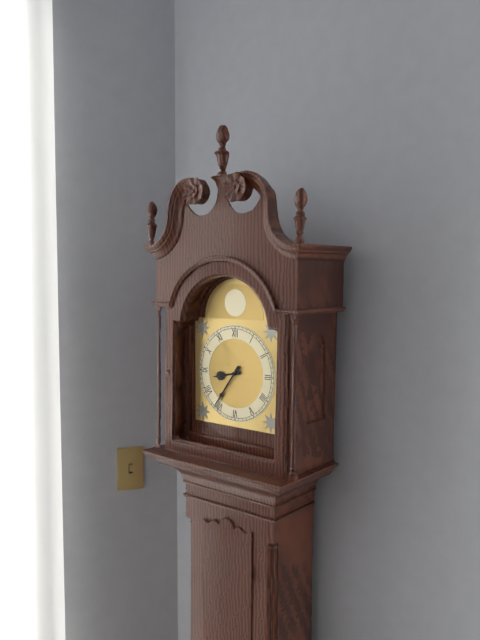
8.36
